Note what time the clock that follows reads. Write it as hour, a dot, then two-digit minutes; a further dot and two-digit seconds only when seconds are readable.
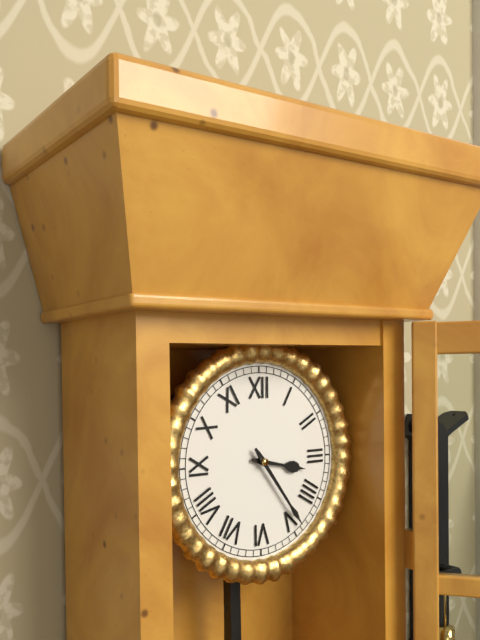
3.24
